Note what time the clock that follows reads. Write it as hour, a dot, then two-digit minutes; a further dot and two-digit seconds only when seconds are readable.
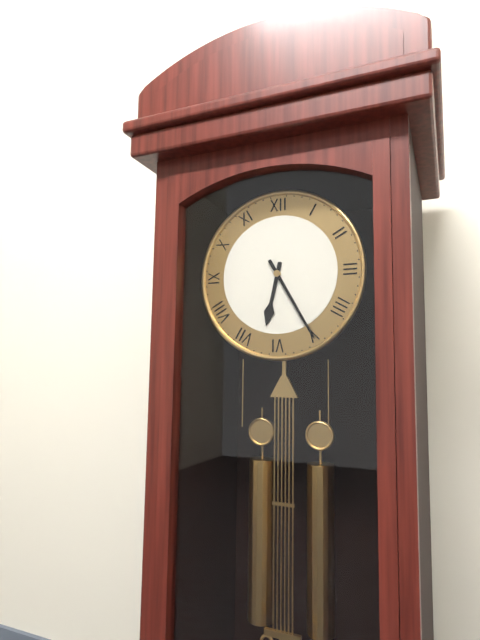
6.25
